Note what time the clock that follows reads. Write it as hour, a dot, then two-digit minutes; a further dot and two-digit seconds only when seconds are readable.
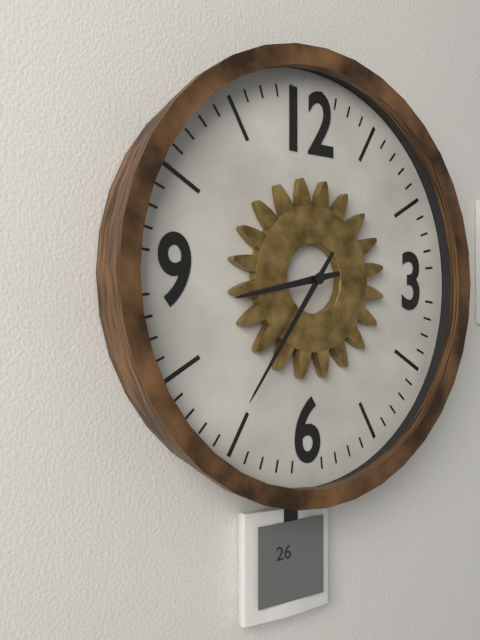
8.36
